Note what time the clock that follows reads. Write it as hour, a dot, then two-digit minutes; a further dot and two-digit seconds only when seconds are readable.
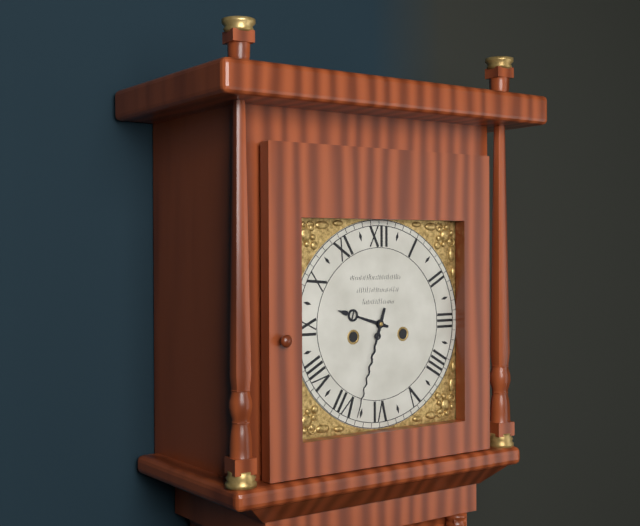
9.33
